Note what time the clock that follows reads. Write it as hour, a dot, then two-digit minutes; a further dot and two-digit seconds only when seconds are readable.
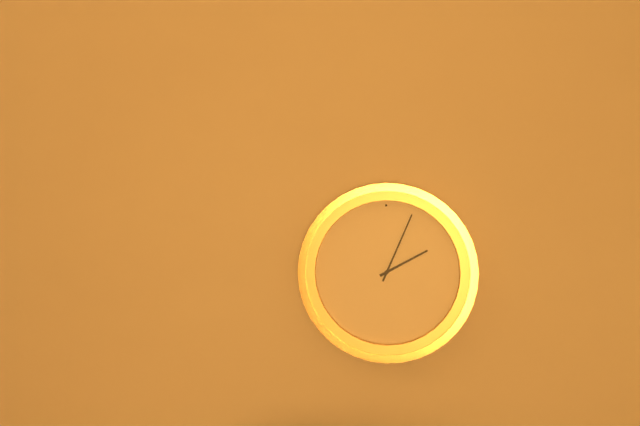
2.04
